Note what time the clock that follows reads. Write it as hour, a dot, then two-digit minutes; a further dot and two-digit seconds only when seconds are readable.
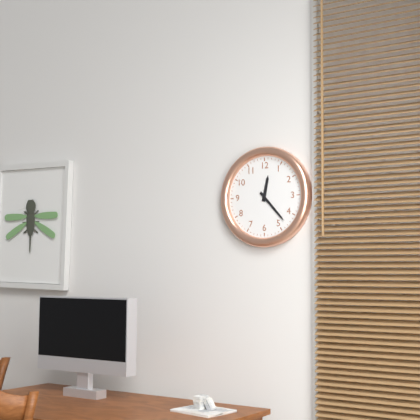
12.23
